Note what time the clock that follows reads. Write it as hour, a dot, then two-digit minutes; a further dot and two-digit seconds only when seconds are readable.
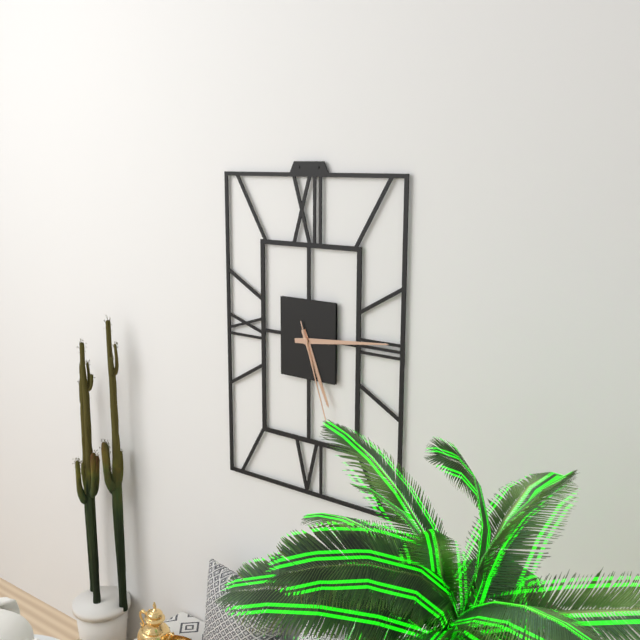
5.14.27
